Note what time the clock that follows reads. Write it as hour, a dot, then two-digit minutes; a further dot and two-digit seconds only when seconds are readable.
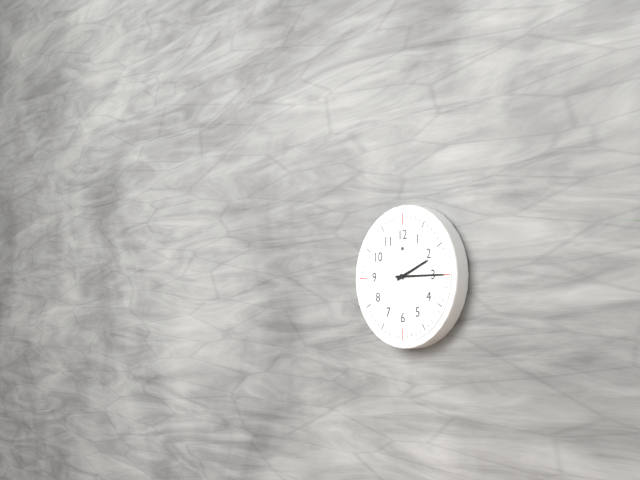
2.15
